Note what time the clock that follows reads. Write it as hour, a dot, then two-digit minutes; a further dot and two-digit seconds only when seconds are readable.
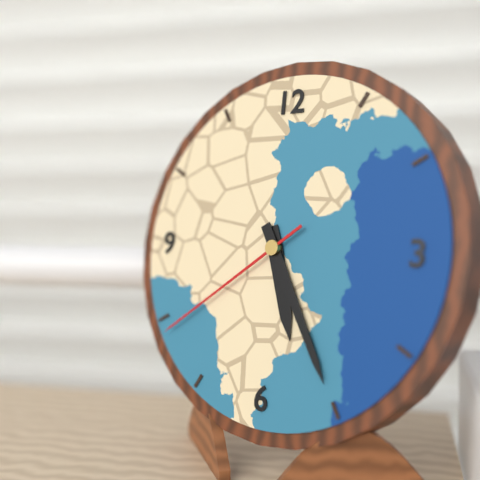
5.25.39
